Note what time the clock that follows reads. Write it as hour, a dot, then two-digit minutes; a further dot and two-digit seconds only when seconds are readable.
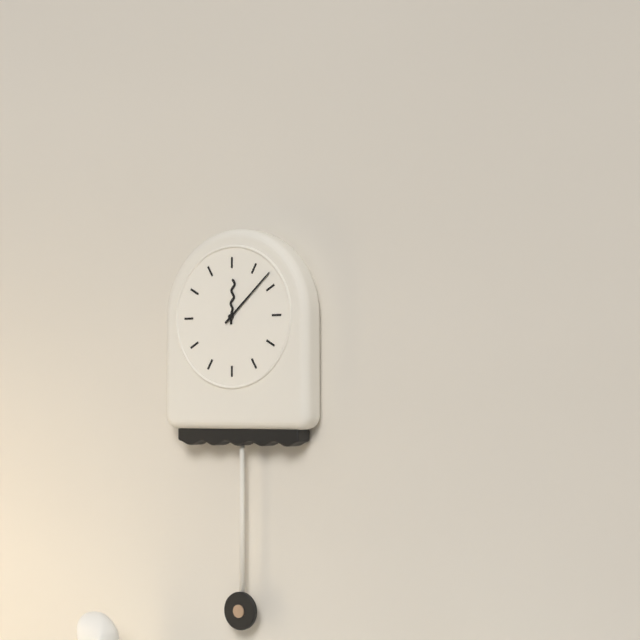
12.08
